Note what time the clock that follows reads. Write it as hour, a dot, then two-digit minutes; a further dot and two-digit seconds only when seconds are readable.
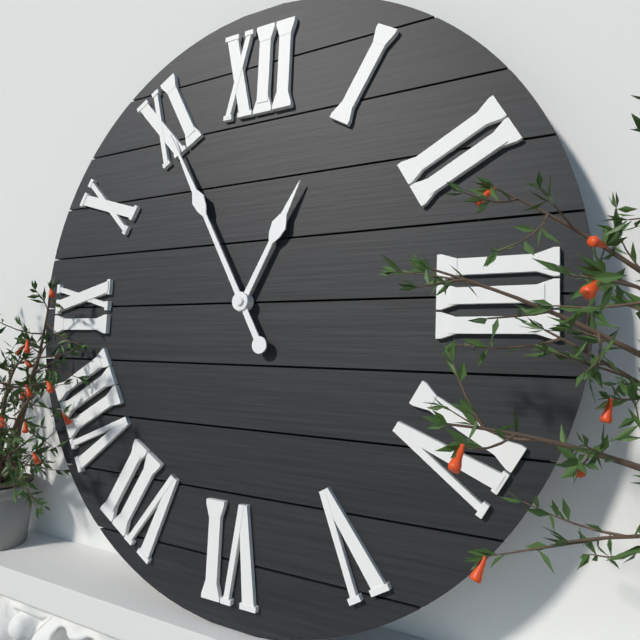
12.55
